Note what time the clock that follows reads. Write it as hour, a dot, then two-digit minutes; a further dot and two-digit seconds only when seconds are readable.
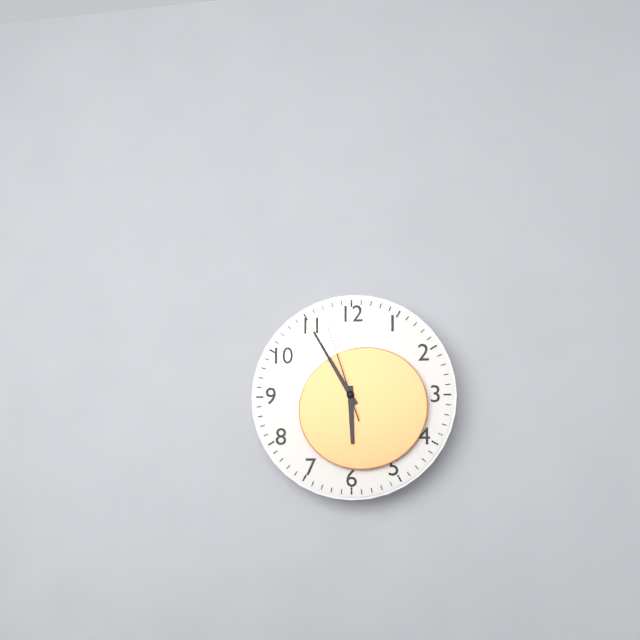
5.55.57
